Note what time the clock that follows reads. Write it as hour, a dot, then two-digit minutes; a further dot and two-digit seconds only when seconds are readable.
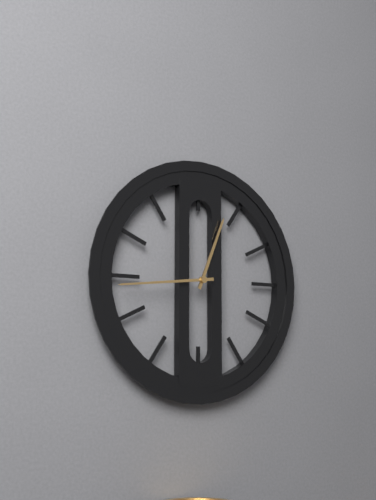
12.44
